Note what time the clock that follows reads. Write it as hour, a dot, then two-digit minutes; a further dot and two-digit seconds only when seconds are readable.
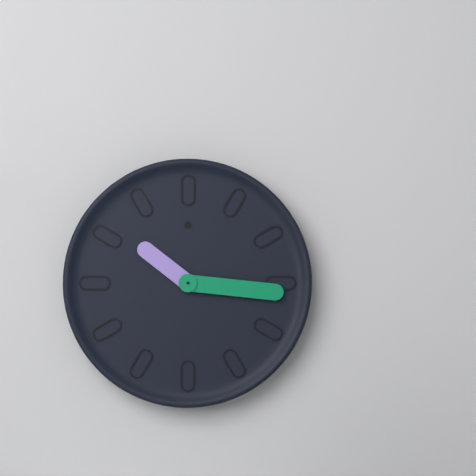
10.16
